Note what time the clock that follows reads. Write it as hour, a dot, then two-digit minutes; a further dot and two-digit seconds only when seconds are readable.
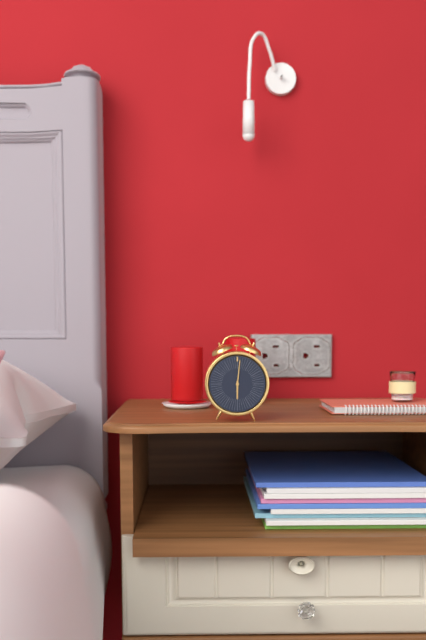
6.01
